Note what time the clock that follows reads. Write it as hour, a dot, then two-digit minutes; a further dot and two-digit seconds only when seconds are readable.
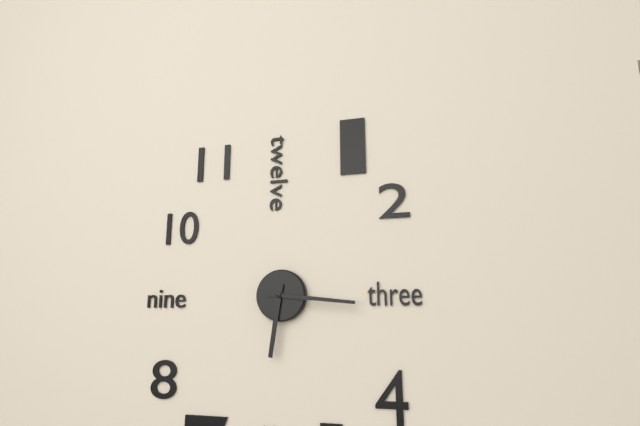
6.16
